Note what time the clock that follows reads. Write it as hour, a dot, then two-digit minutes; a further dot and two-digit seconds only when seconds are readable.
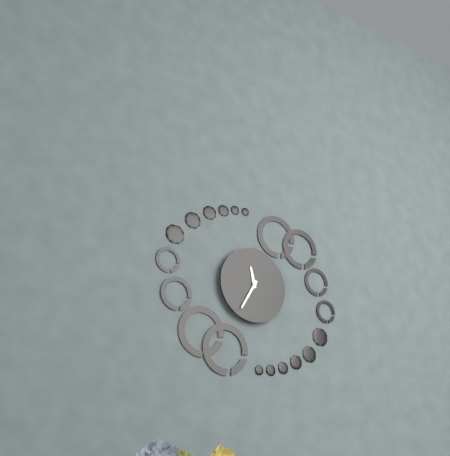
11.35
